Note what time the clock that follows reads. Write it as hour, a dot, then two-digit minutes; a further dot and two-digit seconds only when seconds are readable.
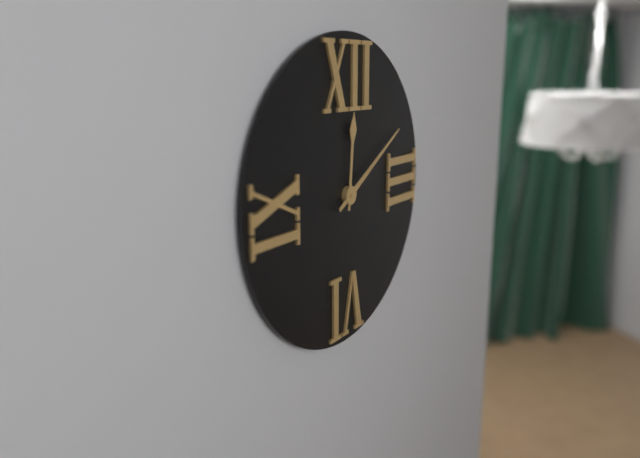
12.10
